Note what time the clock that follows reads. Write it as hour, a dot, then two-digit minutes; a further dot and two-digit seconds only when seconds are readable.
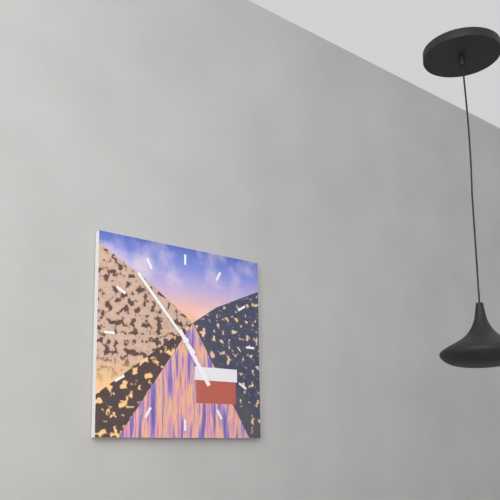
4.53
